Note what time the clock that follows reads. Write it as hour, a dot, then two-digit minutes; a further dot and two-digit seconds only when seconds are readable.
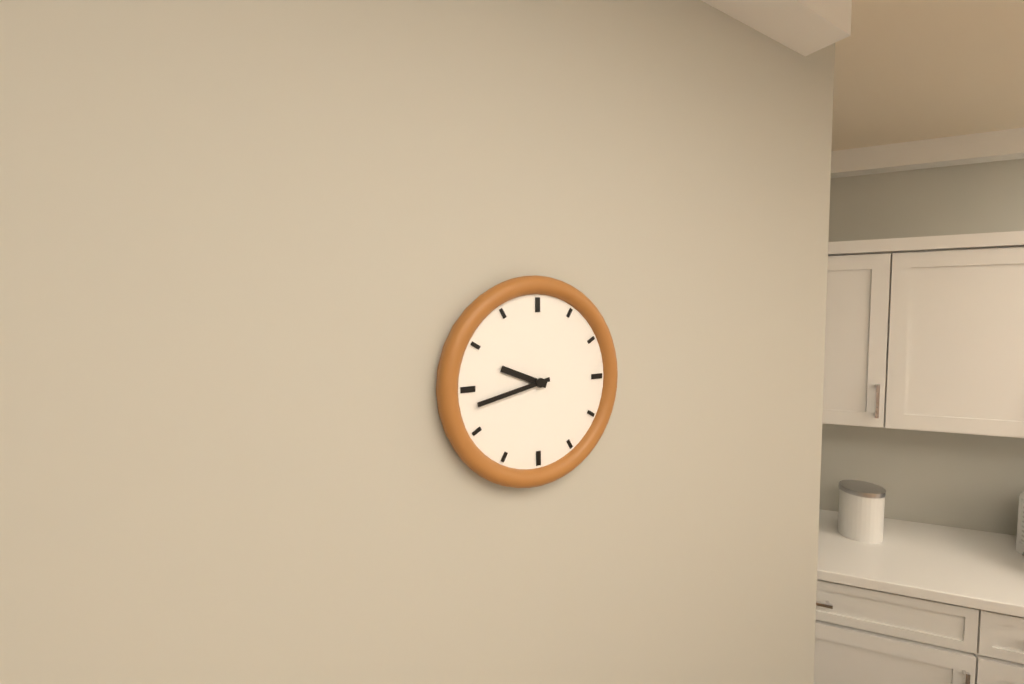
9.43
